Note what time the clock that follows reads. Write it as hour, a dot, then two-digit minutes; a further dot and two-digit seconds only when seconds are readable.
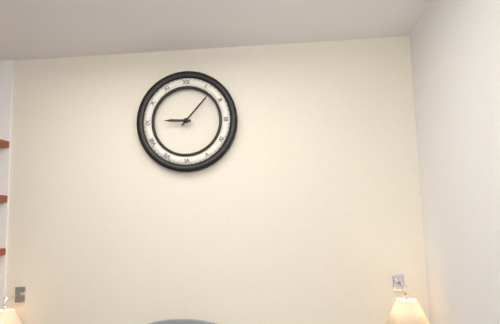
9.07
